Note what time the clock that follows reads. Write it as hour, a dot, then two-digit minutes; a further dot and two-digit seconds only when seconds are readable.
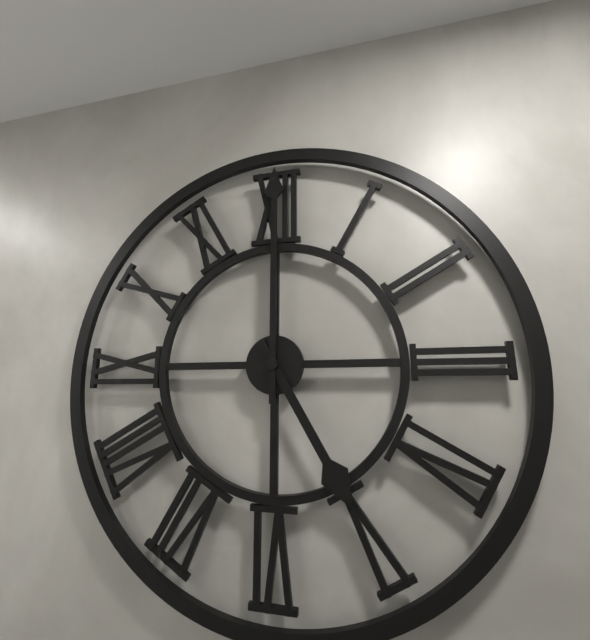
5.00
